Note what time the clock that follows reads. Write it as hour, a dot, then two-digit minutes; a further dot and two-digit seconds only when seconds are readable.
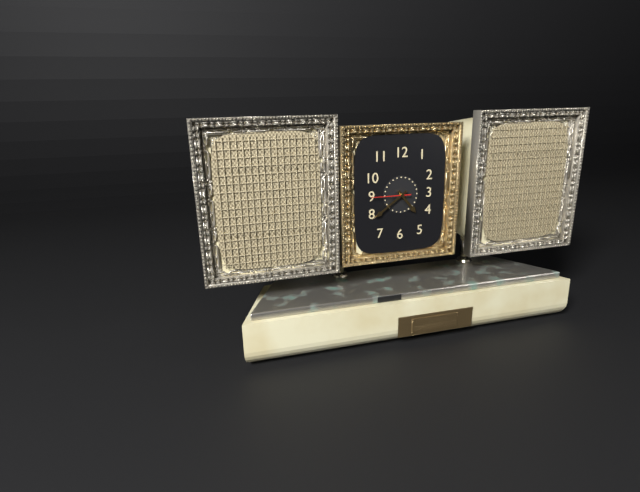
4.39
